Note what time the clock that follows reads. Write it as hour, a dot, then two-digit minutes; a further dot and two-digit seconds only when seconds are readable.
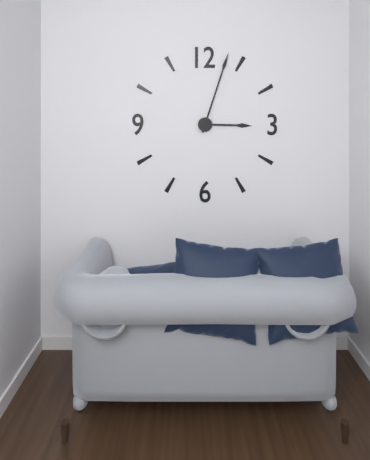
3.03
